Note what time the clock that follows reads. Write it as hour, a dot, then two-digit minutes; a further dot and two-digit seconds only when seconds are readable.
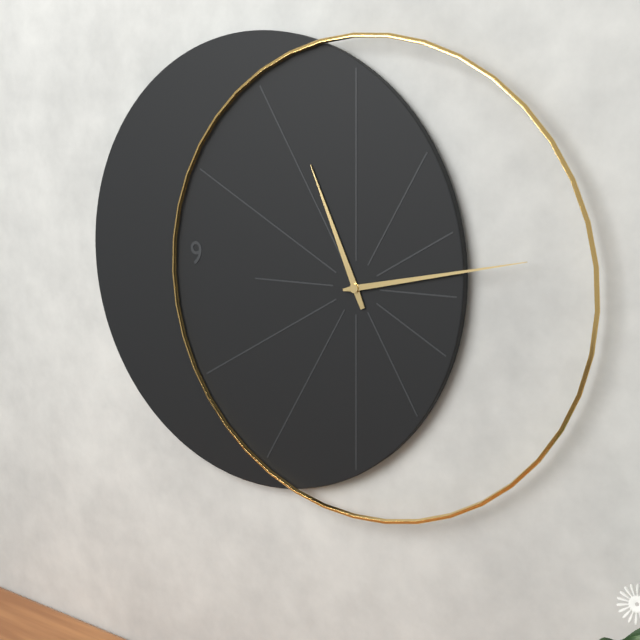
11.13
